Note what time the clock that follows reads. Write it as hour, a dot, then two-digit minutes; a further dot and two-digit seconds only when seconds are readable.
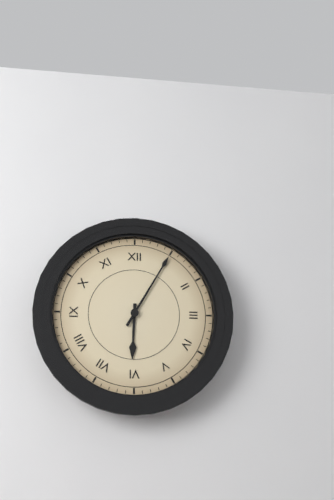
6.05
